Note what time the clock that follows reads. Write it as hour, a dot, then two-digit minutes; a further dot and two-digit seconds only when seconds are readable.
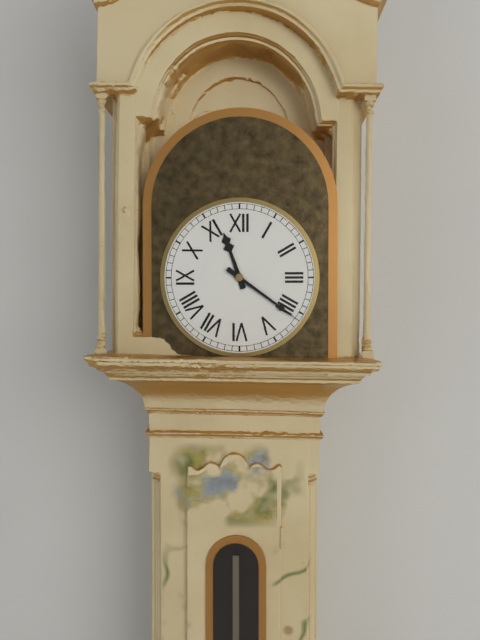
11.21
